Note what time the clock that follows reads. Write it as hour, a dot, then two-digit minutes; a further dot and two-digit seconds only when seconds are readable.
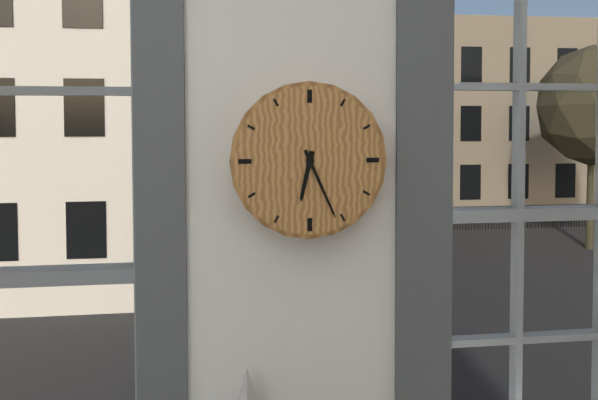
6.26
